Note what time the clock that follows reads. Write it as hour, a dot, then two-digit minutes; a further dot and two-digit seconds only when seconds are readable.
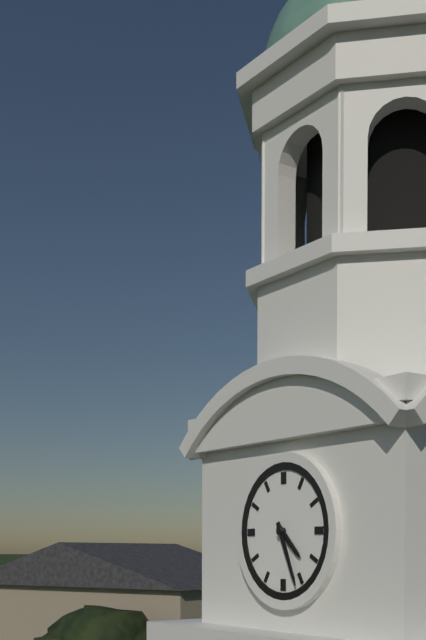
4.26
